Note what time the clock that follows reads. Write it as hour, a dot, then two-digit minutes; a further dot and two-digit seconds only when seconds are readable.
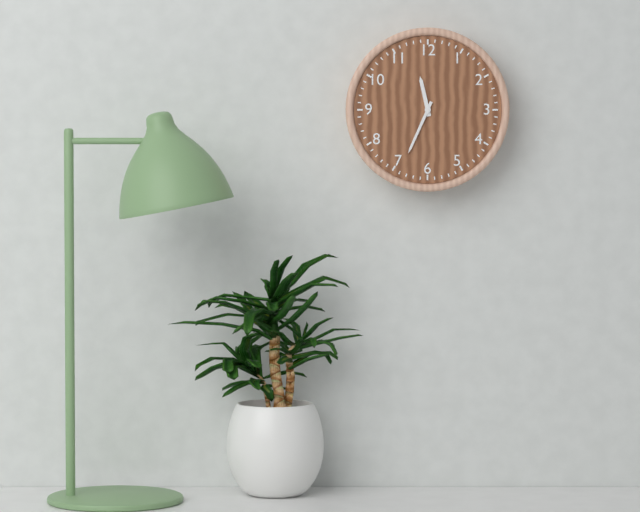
11.34
